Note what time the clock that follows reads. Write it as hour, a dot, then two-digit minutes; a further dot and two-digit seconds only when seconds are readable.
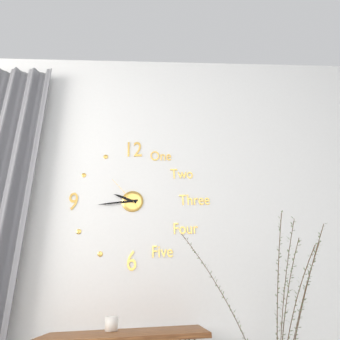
9.44
